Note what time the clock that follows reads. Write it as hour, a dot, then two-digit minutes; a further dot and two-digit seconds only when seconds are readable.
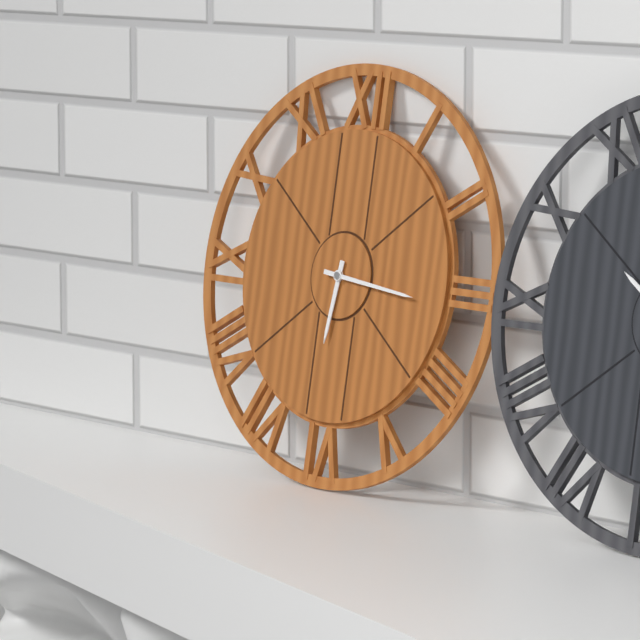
6.16
